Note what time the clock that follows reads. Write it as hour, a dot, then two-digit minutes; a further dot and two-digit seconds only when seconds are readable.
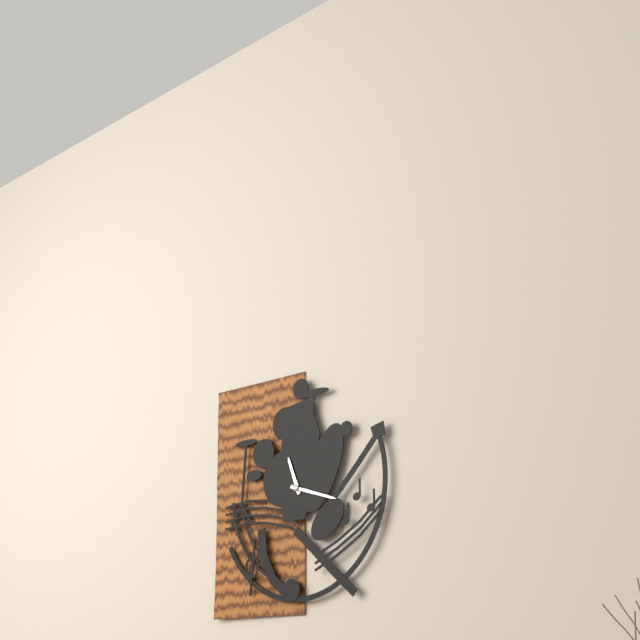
11.18
